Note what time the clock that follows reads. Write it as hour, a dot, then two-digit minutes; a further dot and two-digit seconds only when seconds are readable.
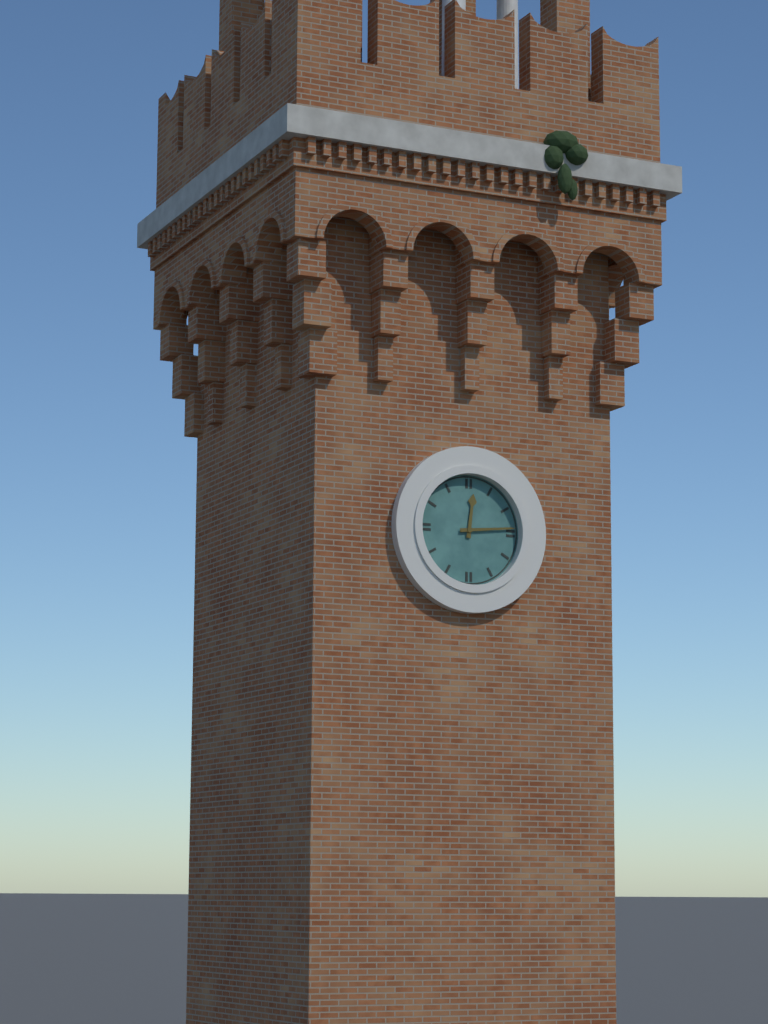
12.14
